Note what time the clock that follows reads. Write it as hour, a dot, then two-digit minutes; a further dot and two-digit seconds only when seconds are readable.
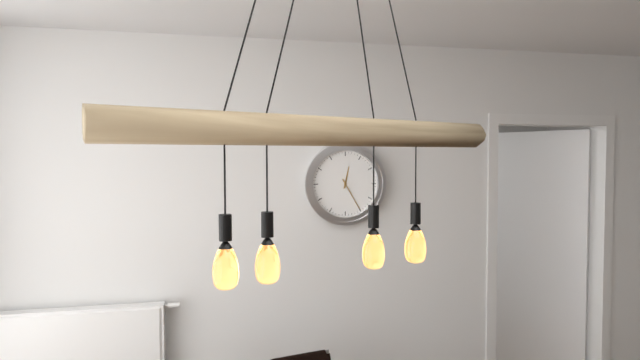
12.25
